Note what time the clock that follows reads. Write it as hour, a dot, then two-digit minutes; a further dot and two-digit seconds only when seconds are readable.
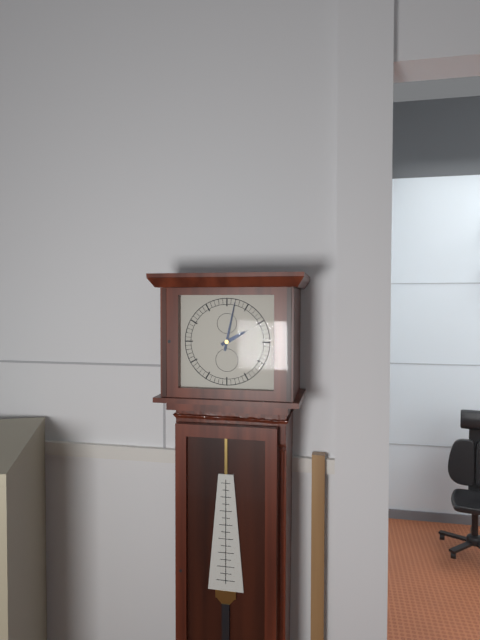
2.02
